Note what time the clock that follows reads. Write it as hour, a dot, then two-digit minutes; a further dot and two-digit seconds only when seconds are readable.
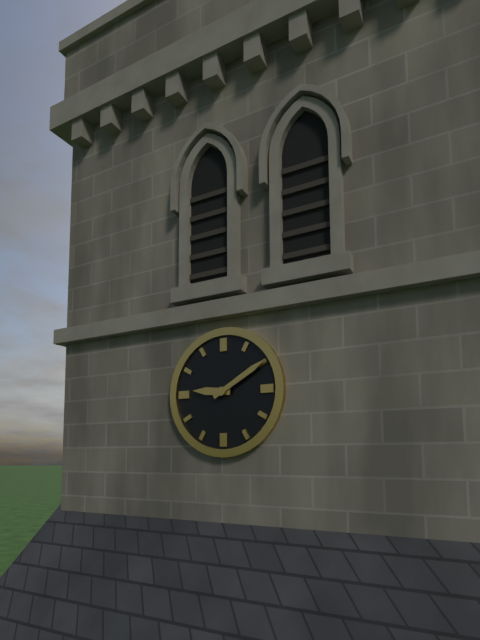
9.10
